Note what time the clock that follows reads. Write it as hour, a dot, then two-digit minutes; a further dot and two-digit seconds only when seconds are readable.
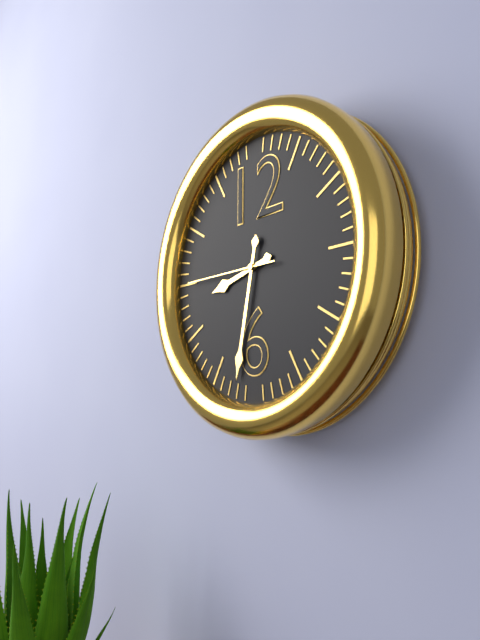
8.32.45
